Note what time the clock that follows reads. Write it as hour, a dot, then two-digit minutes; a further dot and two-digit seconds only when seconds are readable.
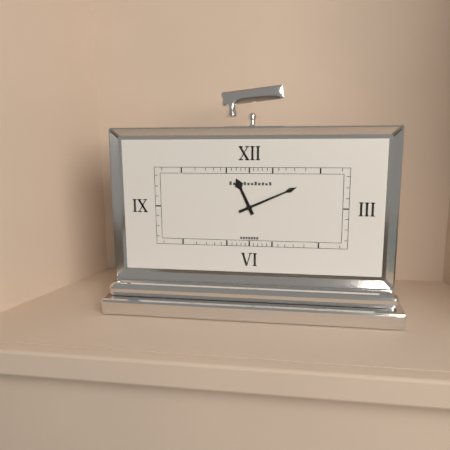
11.11
